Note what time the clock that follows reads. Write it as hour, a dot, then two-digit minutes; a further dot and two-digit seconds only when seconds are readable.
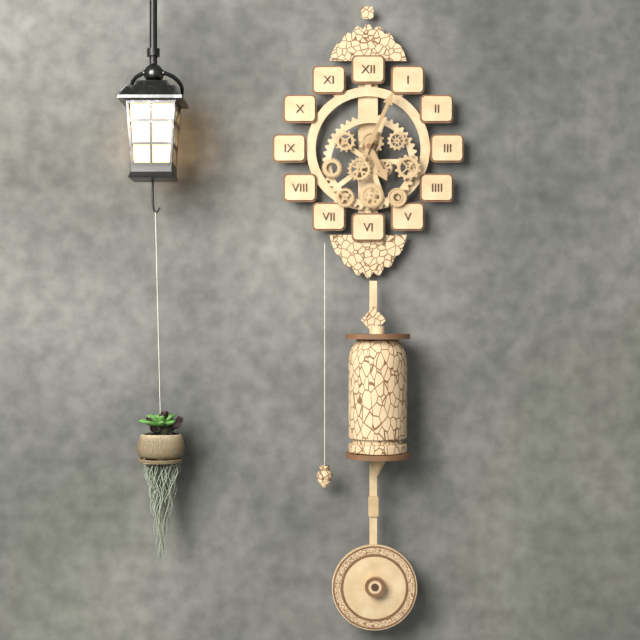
5.04
